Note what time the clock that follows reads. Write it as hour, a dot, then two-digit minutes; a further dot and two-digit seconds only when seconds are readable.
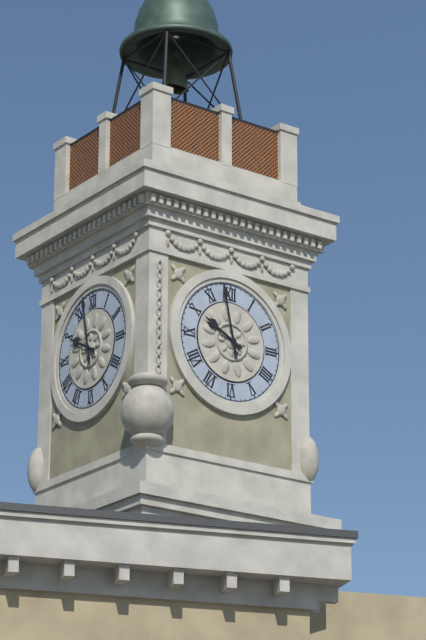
9.58
